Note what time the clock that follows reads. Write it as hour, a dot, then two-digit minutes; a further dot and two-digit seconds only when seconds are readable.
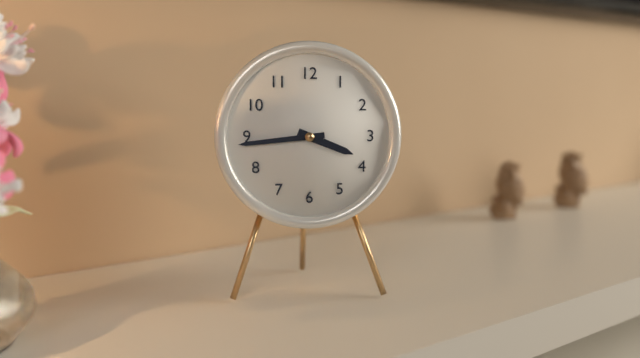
3.44
